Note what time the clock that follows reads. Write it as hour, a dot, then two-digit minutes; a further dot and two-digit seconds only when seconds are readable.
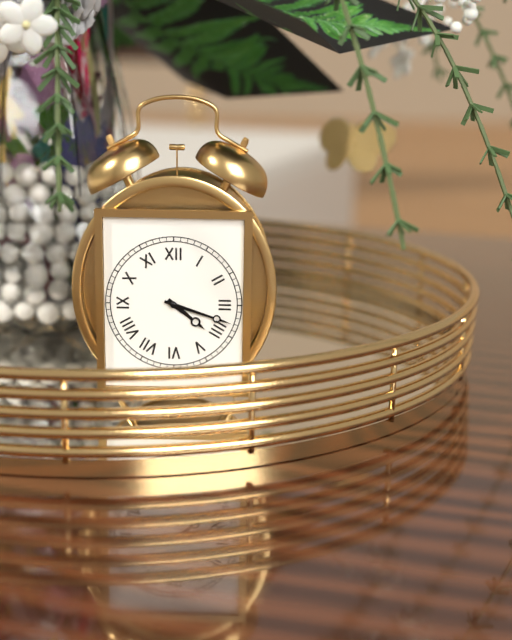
4.18
